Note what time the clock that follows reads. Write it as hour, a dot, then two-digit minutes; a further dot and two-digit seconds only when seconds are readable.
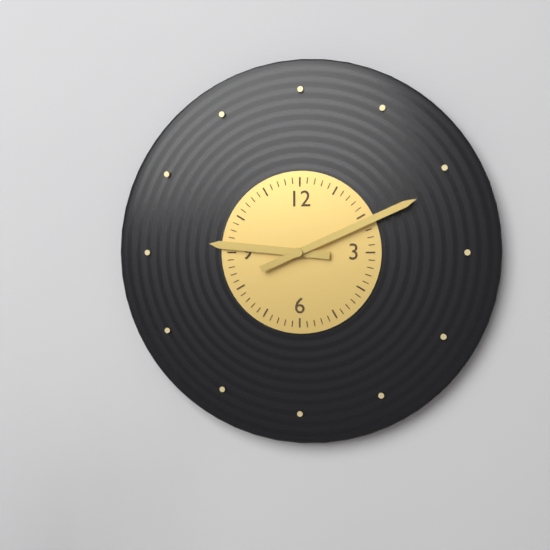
9.11
